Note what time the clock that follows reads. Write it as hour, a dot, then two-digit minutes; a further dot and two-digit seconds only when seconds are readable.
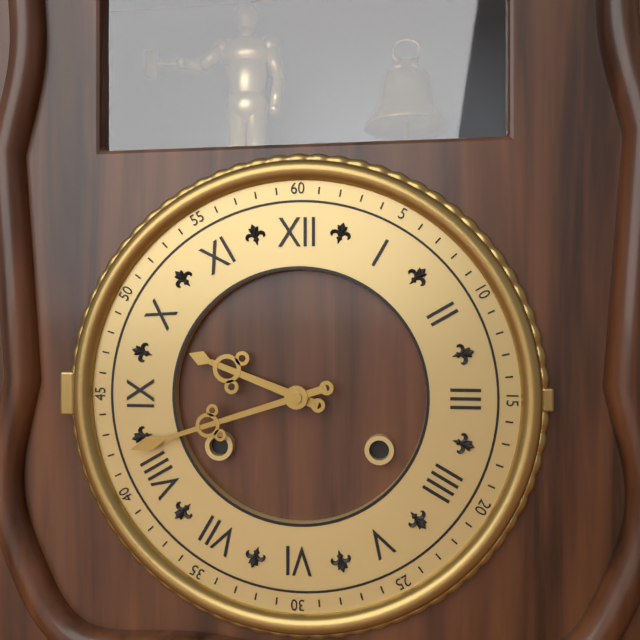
9.42
